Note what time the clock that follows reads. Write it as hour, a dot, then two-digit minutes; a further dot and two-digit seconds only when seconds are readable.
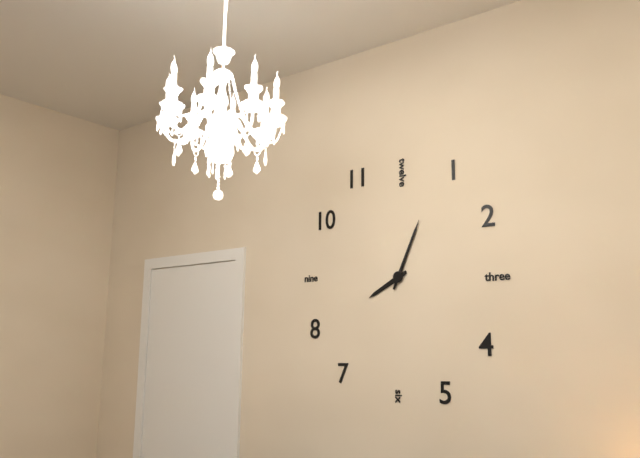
8.04
